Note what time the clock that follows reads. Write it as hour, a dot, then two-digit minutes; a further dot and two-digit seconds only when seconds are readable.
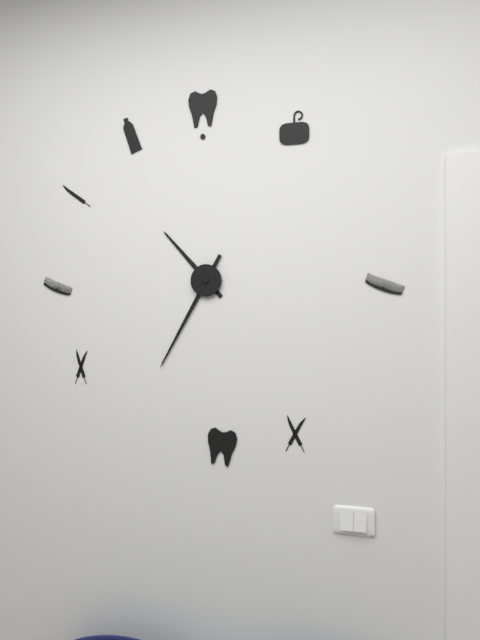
10.35
